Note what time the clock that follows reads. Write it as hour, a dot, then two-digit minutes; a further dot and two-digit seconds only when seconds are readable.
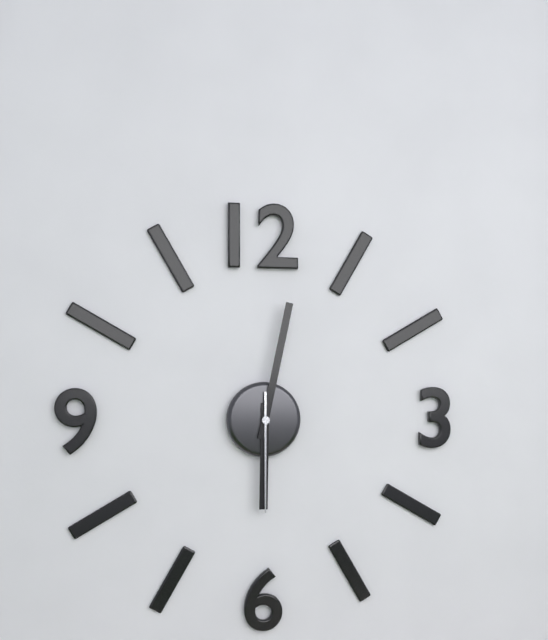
6.02.30
